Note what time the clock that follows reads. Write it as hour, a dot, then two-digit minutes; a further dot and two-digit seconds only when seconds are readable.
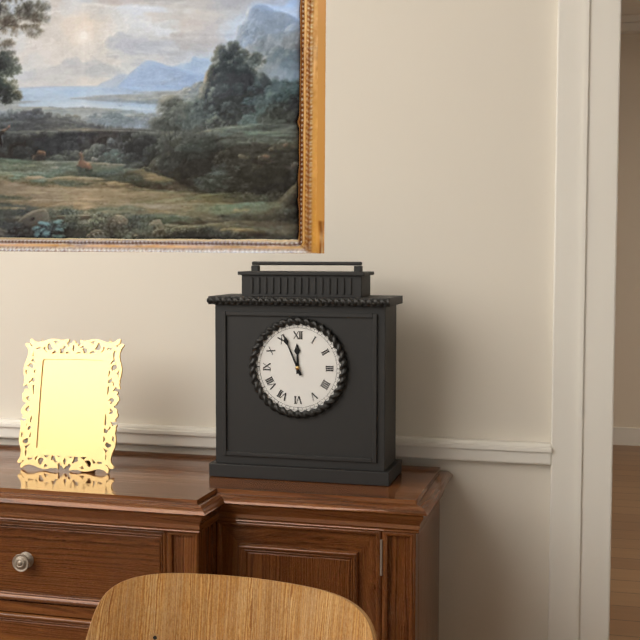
11.56
